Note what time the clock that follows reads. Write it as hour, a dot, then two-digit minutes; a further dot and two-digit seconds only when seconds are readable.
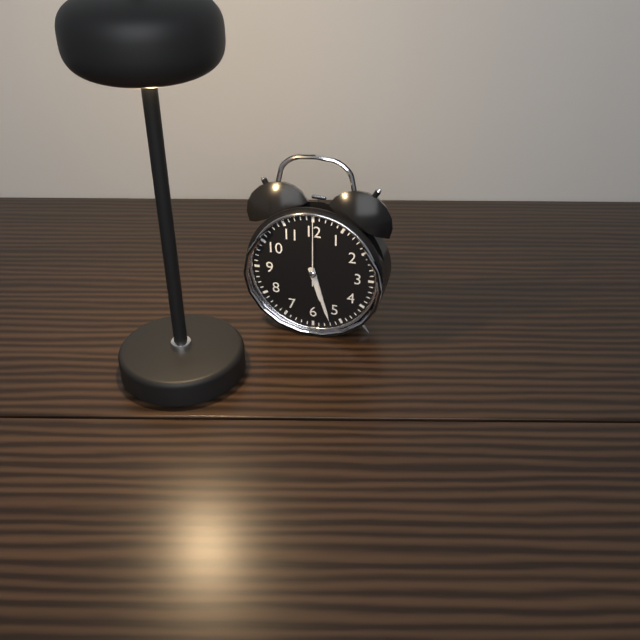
5.27.00
